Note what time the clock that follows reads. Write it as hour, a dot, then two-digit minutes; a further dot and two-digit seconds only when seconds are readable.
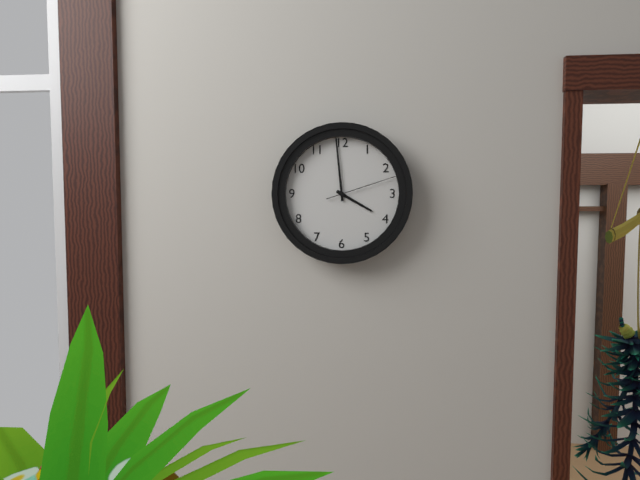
3.59.12
